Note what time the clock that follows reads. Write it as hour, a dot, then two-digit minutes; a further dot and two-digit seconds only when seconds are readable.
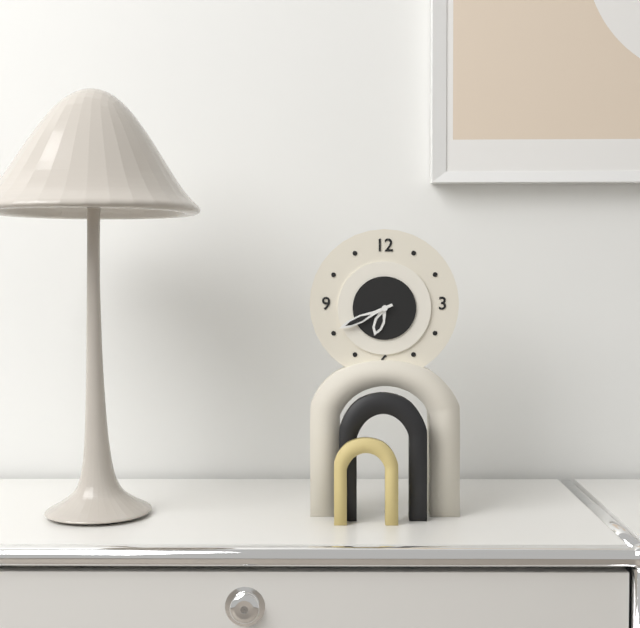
6.41
